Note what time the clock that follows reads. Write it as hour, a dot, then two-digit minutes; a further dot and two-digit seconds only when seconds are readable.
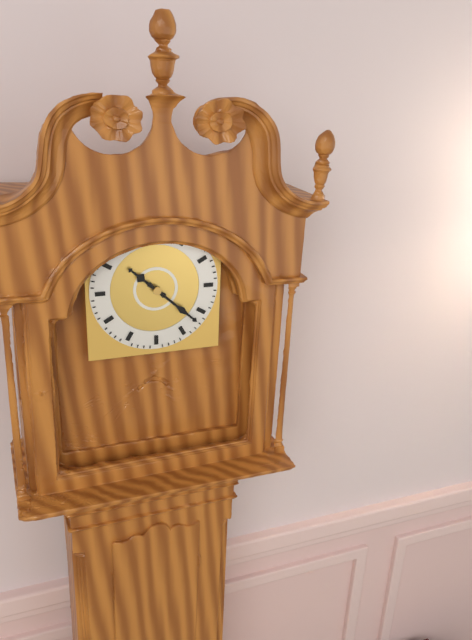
10.22
